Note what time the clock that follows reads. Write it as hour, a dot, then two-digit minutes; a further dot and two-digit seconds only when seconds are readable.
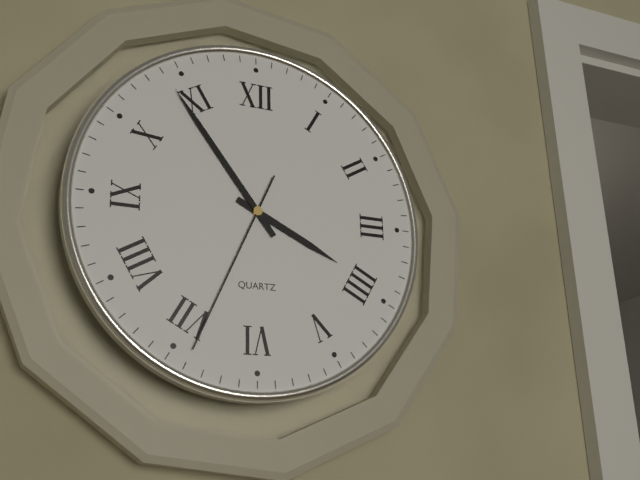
3.54.34
